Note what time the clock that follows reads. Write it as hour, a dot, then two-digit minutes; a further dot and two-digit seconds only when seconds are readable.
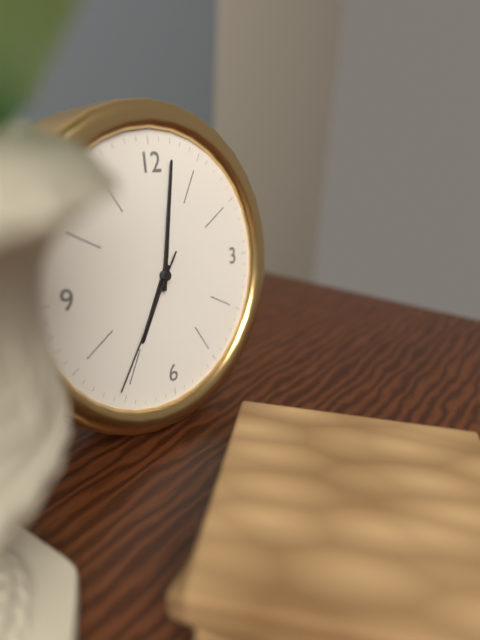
7.02.36
